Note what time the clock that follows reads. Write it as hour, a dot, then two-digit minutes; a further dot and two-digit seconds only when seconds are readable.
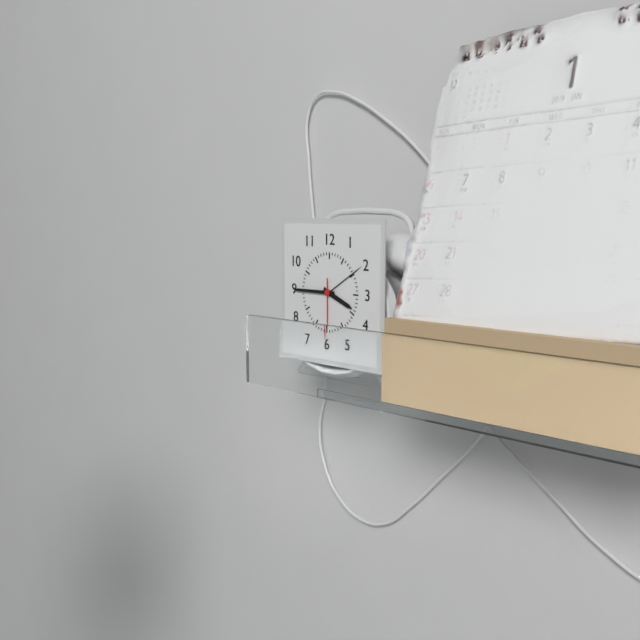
3.45.30
